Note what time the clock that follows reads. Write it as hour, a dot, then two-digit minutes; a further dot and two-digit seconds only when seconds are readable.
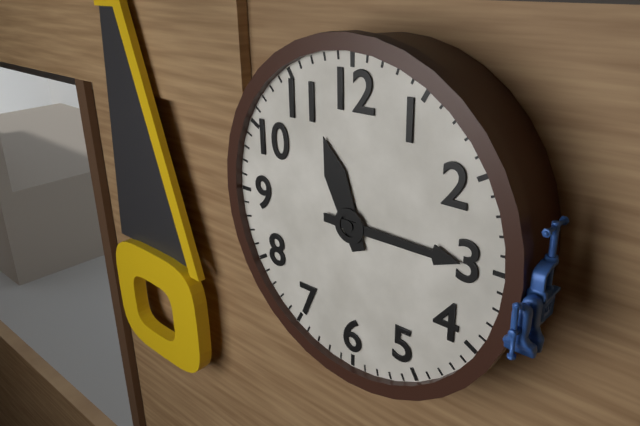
11.15
